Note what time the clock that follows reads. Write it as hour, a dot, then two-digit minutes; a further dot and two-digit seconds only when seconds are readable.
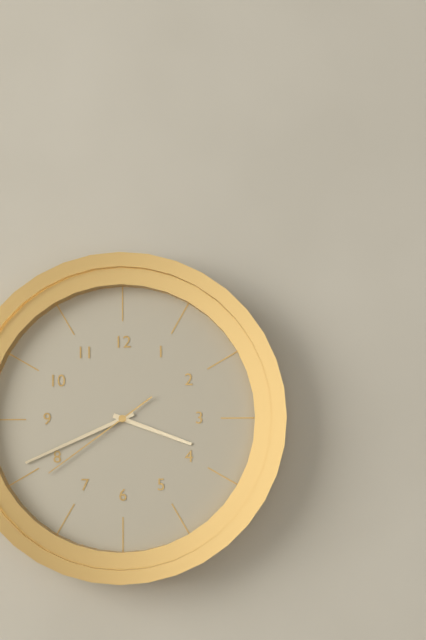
3.41.39
